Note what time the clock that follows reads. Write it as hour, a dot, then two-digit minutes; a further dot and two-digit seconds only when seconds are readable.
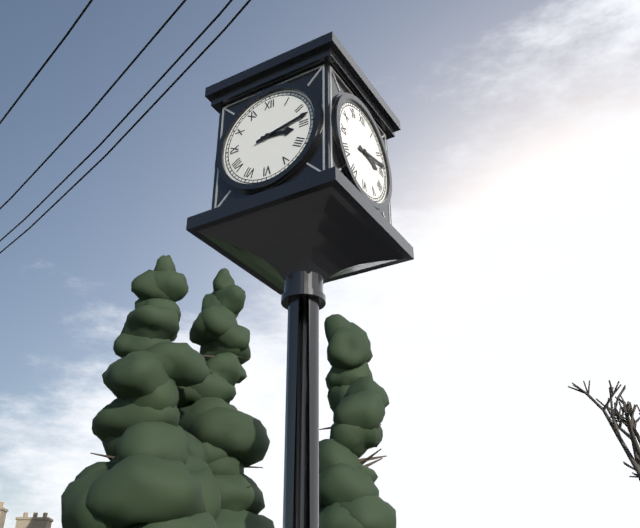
3.13
